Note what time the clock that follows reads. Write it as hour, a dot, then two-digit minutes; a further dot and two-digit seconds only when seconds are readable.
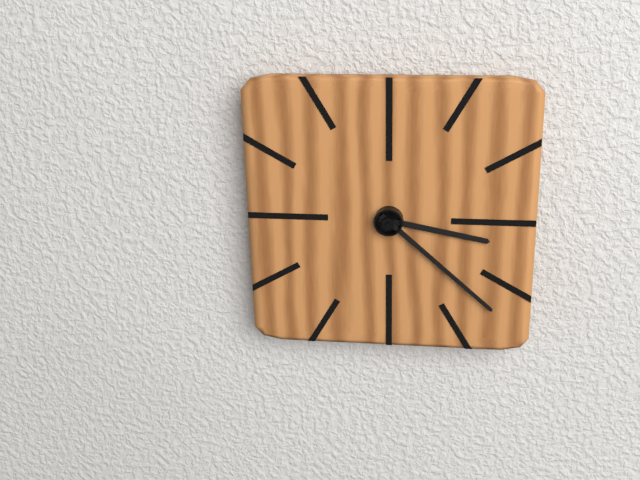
3.22
